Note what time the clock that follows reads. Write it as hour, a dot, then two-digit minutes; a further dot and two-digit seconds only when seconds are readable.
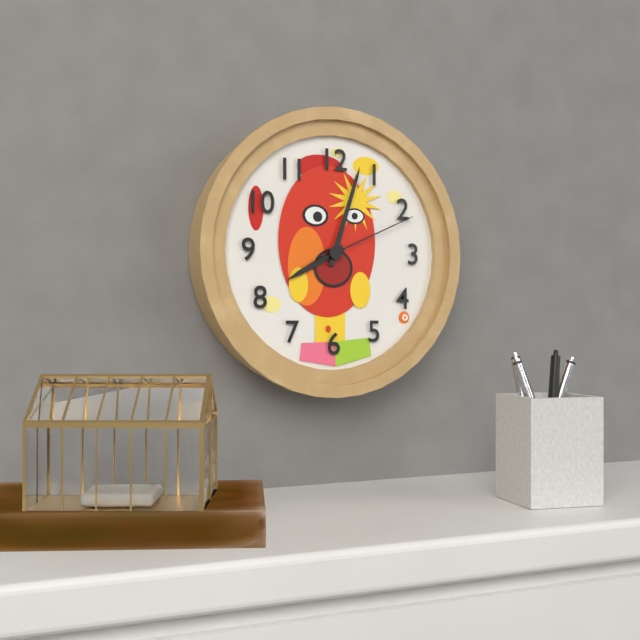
8.03.11
